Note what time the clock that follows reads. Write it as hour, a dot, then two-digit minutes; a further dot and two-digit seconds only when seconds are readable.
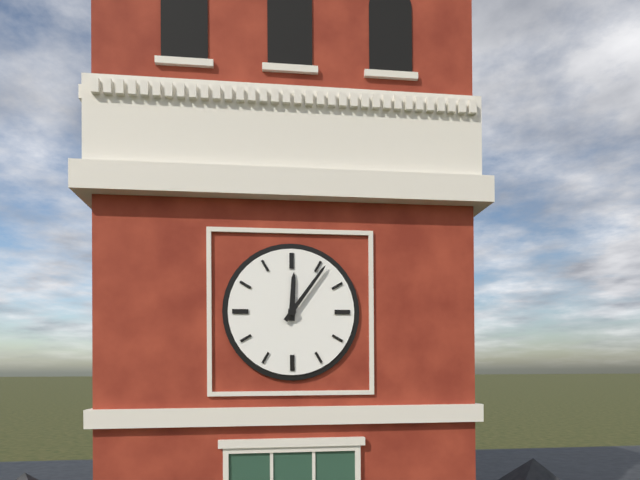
12.06
